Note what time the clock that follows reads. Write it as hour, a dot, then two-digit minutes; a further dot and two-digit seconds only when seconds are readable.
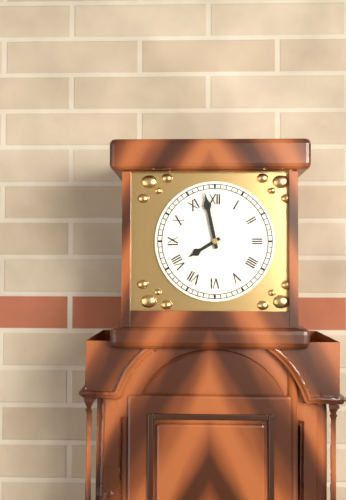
7.58
